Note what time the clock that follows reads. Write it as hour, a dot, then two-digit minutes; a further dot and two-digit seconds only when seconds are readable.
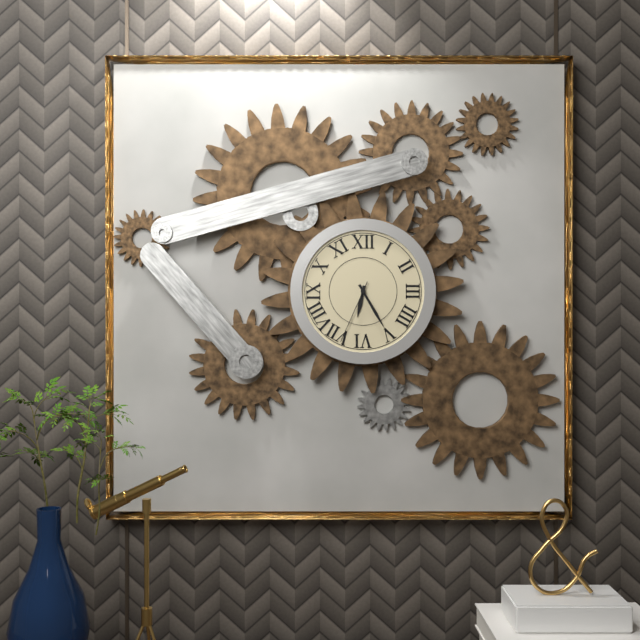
6.25.34
